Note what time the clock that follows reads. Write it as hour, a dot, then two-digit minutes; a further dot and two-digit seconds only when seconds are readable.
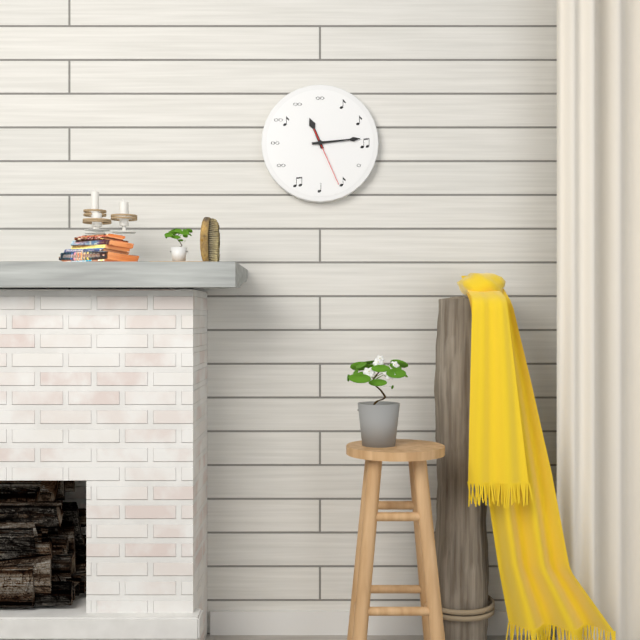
11.14.26
